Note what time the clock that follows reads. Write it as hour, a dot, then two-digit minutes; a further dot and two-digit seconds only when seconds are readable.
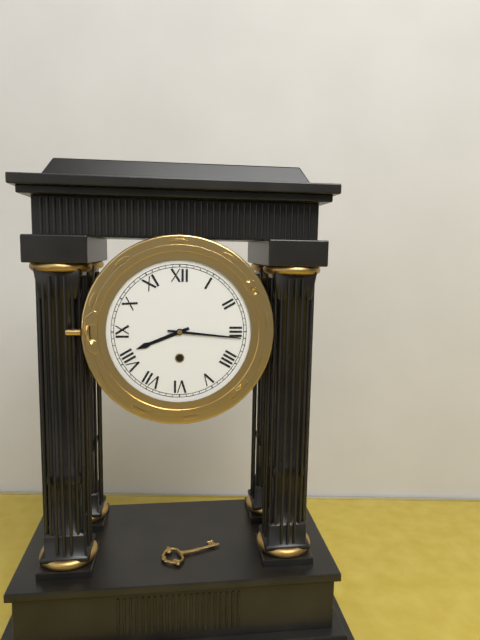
8.16
